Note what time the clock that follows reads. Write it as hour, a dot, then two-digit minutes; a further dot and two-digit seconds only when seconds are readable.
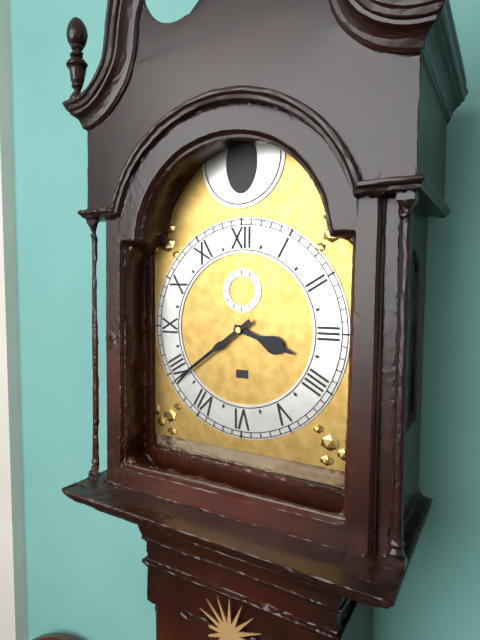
3.39
